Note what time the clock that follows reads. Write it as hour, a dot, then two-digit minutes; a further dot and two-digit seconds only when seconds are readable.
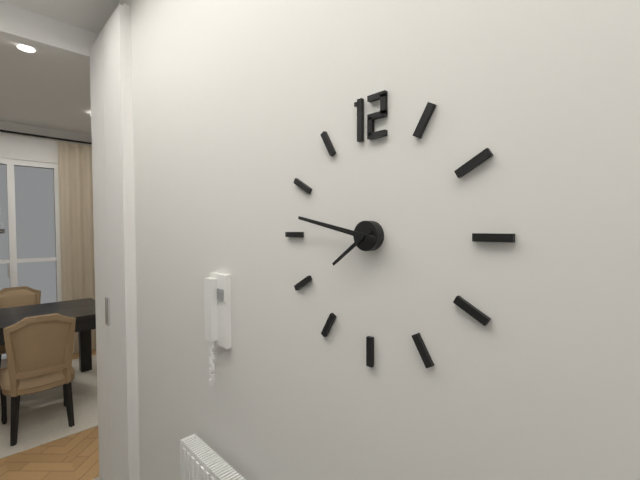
7.47
